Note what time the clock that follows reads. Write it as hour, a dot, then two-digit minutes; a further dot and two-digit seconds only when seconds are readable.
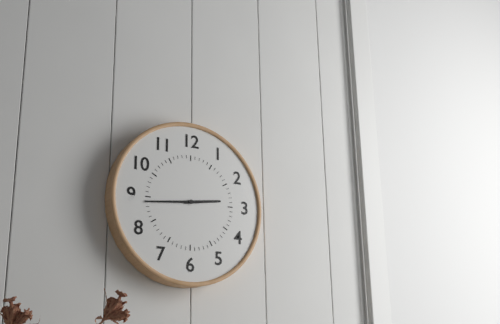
2.44
